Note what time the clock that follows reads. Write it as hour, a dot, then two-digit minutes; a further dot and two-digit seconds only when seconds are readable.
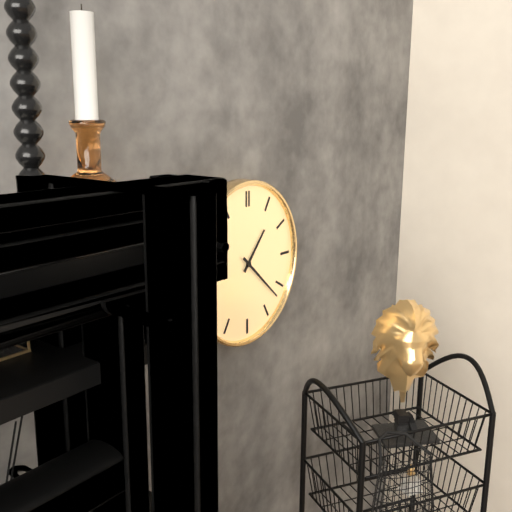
1.22
